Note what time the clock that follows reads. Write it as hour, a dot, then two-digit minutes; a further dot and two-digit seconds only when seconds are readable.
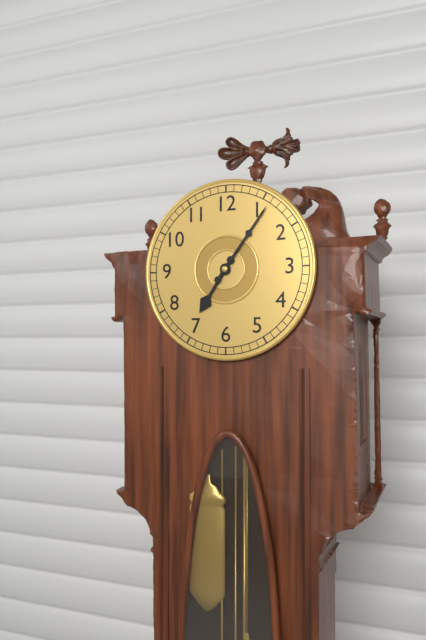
7.06
